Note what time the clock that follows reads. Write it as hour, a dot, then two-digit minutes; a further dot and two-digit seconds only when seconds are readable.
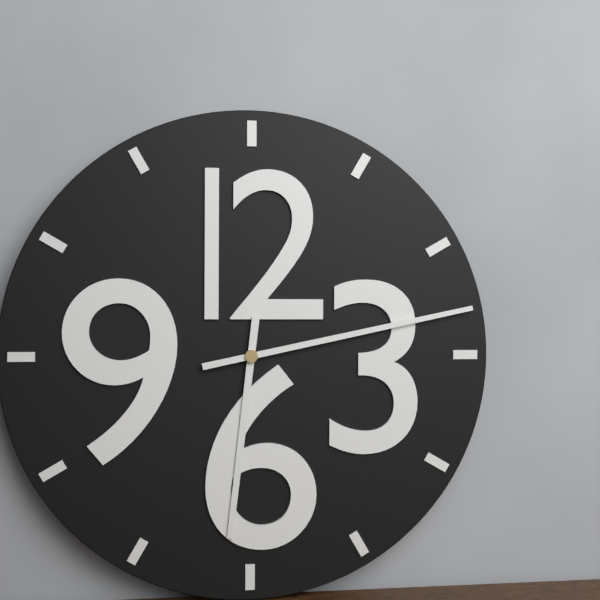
6.13
